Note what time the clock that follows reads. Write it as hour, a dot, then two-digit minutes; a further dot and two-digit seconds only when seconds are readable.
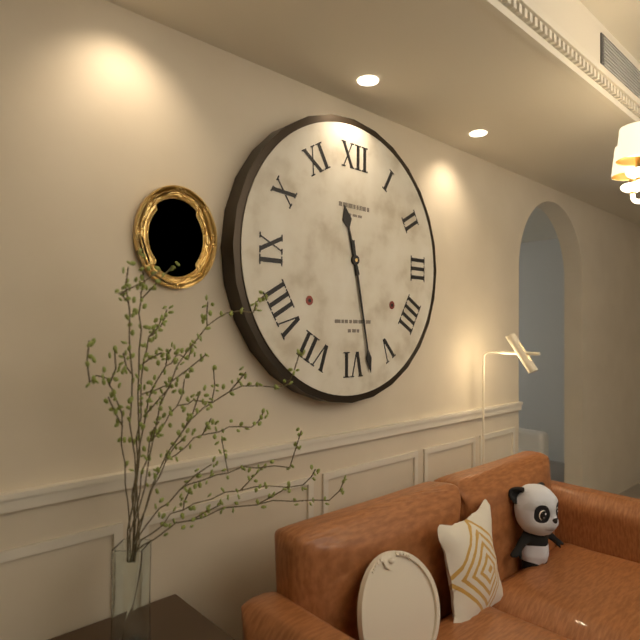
11.28
